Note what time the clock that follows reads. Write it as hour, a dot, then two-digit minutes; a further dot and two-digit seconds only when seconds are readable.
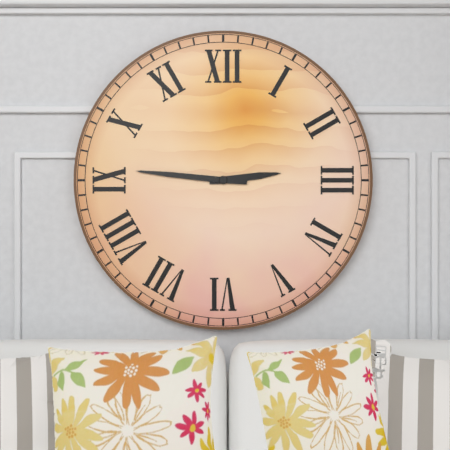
2.46
